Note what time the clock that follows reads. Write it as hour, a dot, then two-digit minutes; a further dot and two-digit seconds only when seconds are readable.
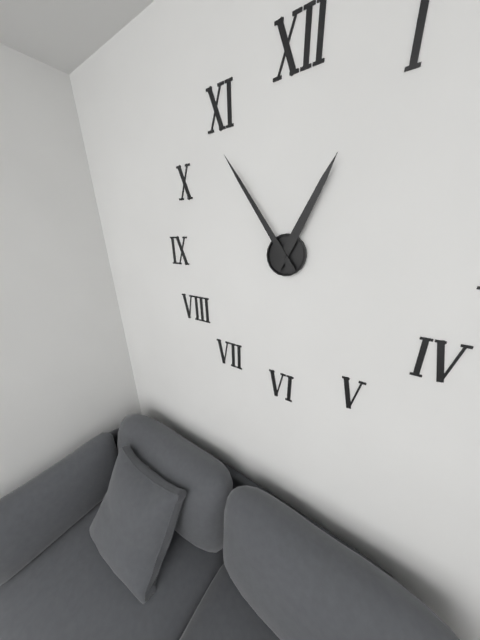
12.54
